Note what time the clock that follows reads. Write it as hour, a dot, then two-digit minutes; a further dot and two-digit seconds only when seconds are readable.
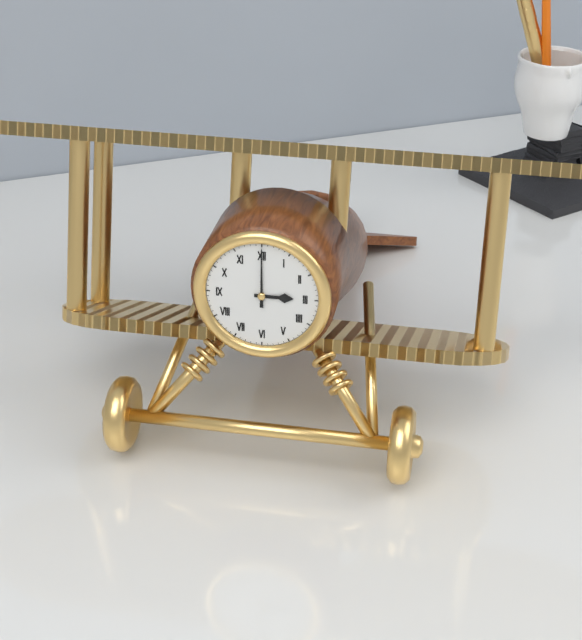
3.00
